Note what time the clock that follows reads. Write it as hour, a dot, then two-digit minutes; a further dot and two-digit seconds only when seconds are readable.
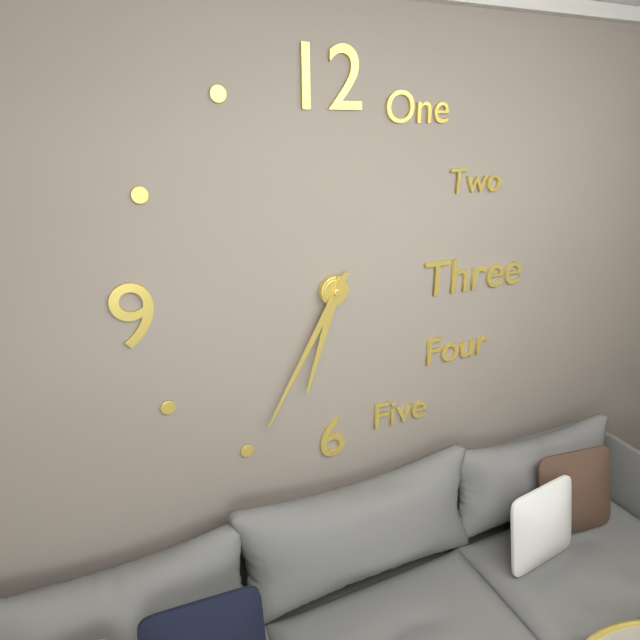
6.35
